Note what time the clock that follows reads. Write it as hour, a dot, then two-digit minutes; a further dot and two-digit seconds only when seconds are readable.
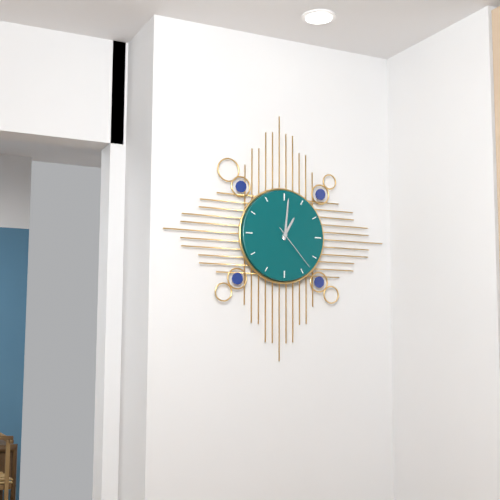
1.01.23
